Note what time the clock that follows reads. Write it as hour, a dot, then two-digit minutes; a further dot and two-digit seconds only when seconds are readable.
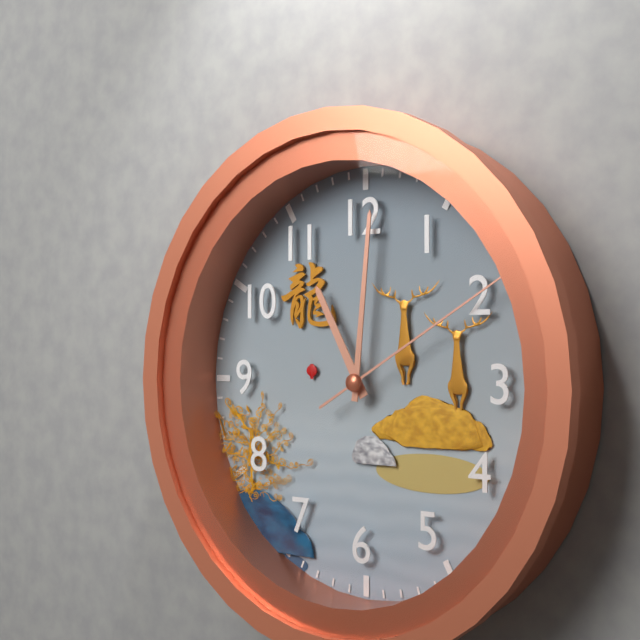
11.01.10
